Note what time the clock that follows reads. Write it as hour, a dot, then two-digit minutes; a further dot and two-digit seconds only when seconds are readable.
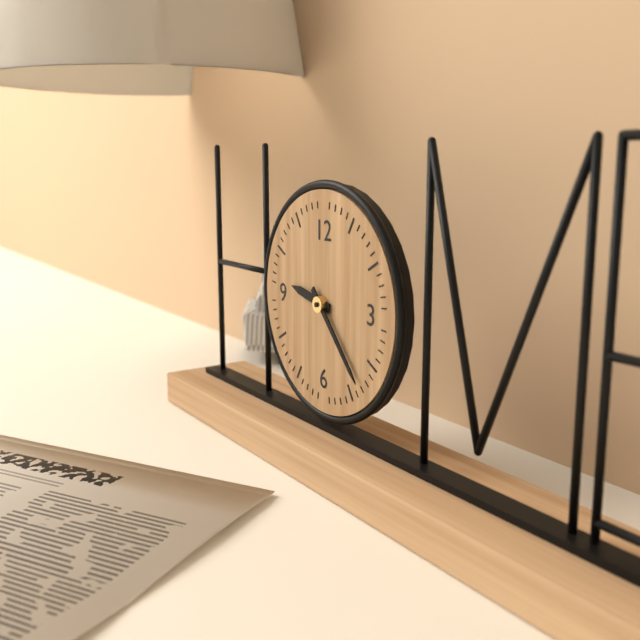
9.23
